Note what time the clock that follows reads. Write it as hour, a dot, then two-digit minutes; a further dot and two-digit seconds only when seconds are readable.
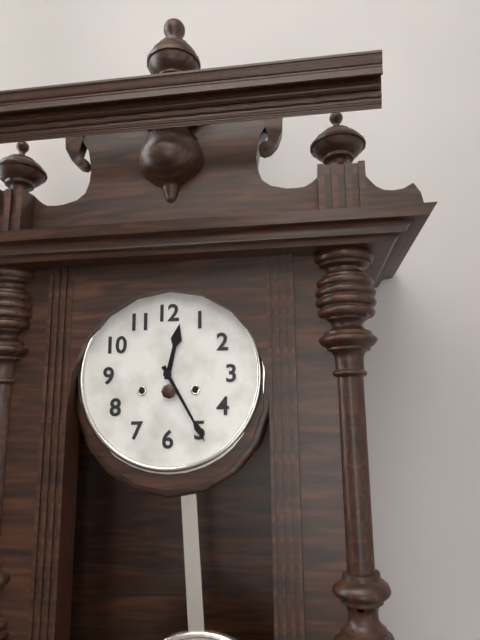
12.25
